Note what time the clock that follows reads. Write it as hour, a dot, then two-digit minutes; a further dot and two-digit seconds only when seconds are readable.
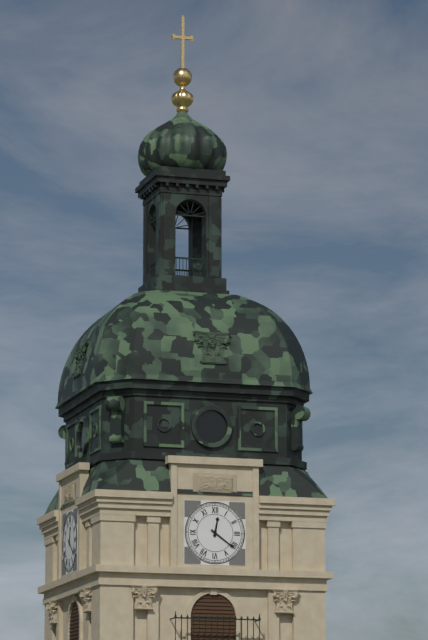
12.21
